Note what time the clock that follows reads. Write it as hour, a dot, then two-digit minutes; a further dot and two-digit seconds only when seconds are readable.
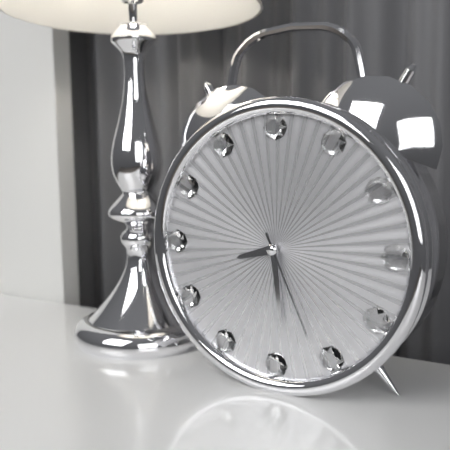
8.29.26
